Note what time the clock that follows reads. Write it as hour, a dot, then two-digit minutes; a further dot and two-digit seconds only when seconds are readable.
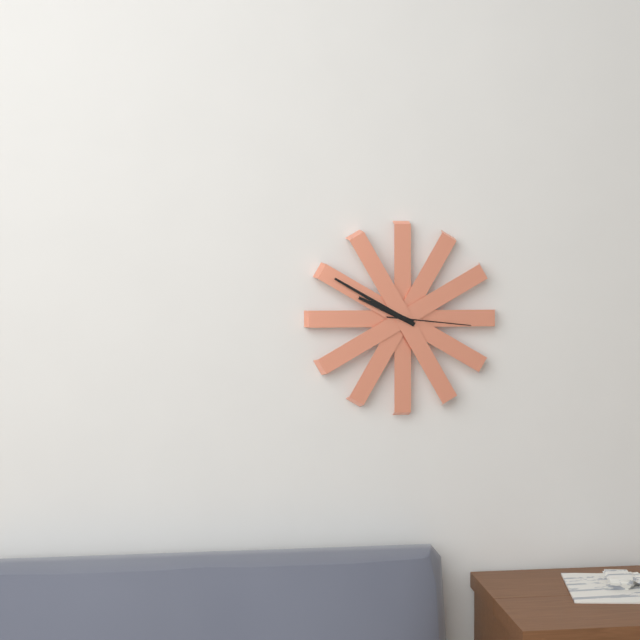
9.50.16
